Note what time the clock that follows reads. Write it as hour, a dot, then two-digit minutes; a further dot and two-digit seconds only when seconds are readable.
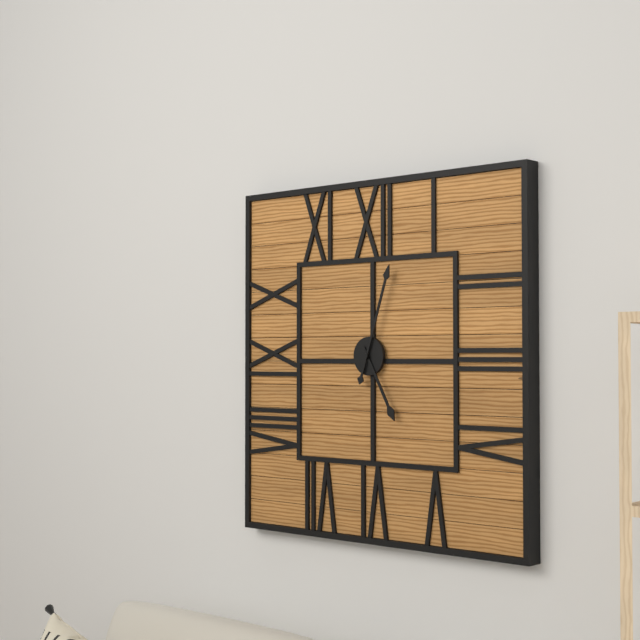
5.03
